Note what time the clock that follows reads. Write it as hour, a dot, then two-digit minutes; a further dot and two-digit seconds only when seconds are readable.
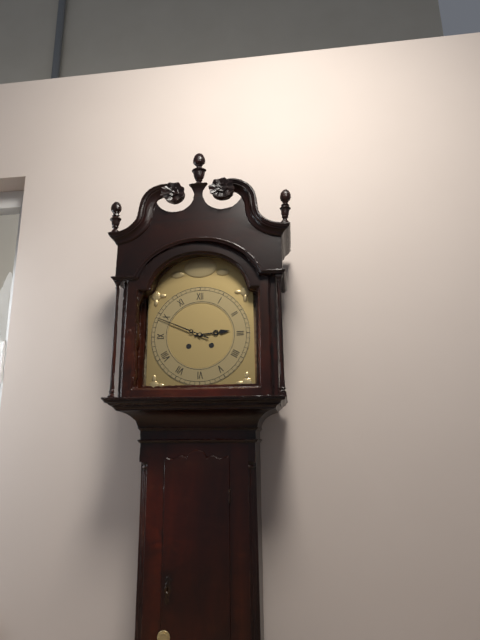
2.49
